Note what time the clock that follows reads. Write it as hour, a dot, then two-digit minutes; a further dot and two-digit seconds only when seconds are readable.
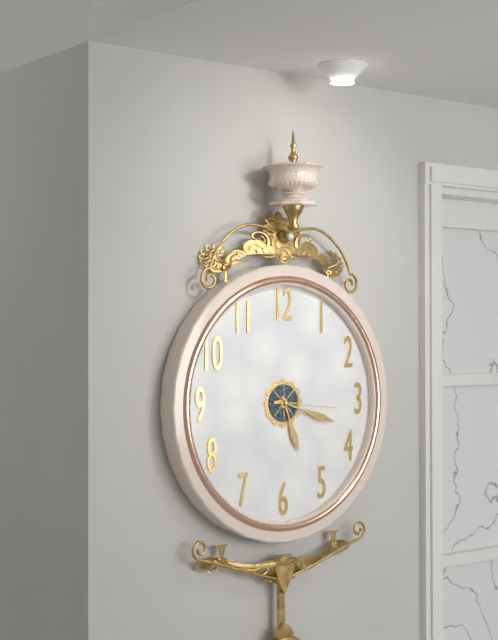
5.18.16
